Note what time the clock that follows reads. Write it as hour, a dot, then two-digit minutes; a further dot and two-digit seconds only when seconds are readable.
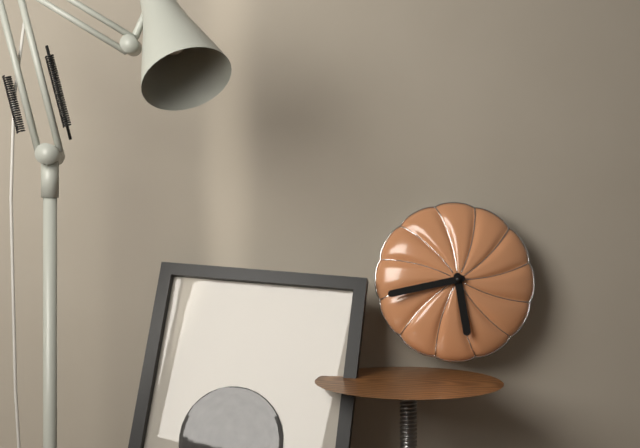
5.43
